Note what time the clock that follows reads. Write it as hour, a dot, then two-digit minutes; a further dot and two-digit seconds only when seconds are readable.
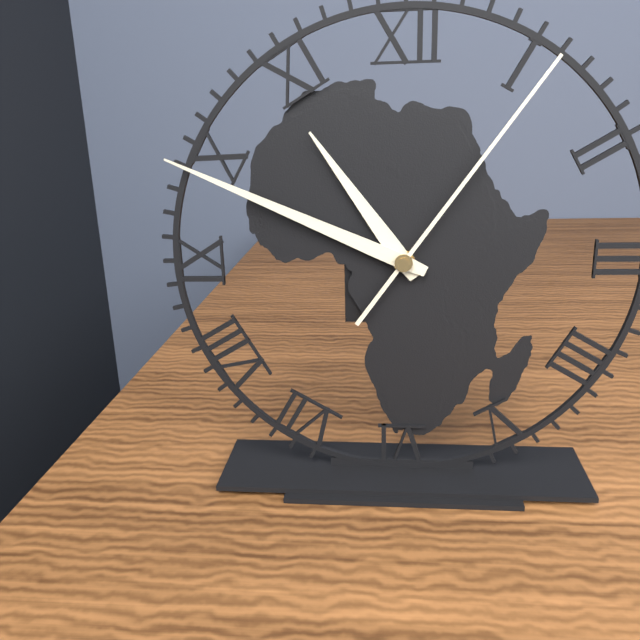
10.49.06
